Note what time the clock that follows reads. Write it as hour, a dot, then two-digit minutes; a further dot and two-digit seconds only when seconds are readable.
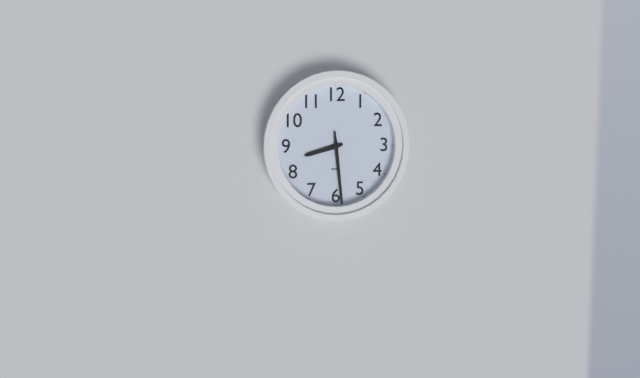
8.29
